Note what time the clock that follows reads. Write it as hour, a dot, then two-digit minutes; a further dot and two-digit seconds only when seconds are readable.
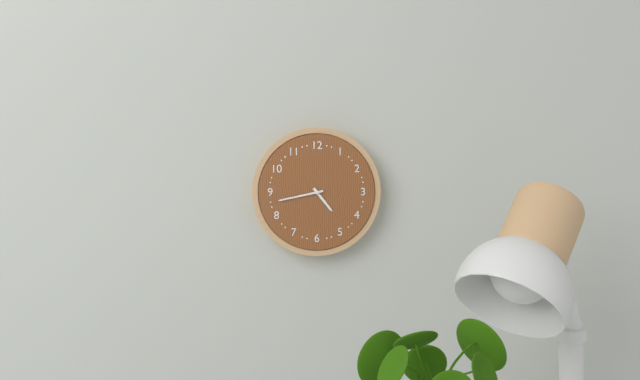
4.43
